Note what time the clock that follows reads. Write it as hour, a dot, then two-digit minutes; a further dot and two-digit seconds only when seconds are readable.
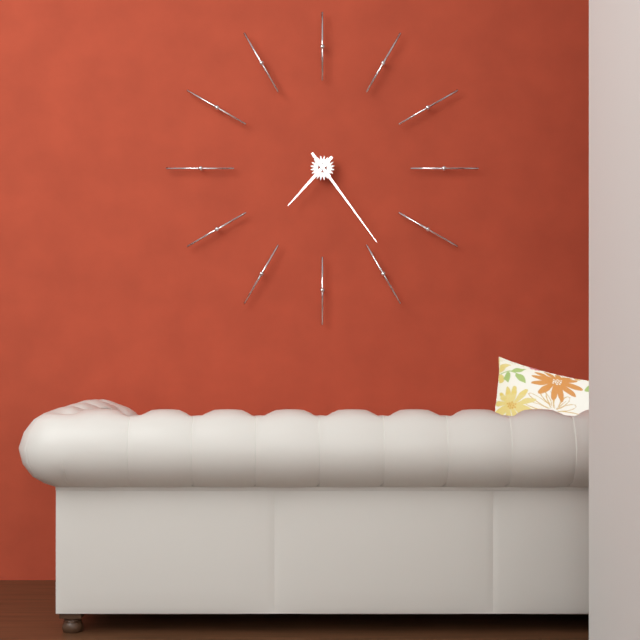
7.24
